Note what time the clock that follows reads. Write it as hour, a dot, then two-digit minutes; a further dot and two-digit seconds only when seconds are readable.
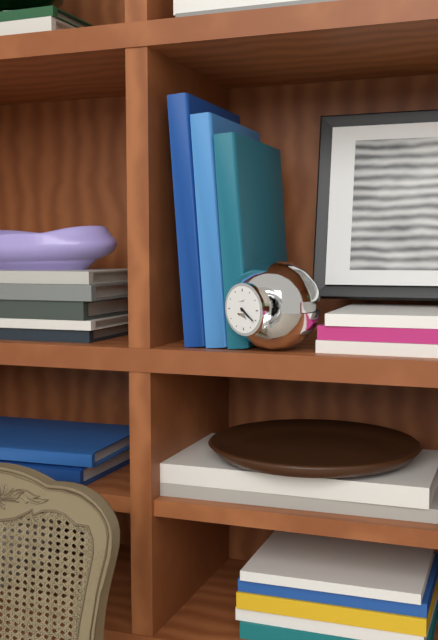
4.21
